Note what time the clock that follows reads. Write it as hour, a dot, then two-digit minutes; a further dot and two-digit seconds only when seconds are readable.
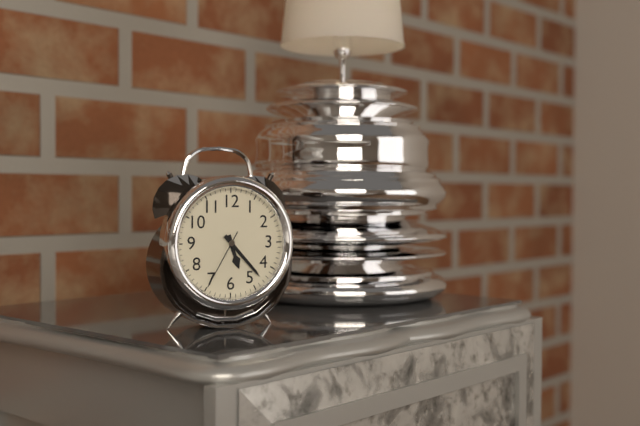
5.23.35
